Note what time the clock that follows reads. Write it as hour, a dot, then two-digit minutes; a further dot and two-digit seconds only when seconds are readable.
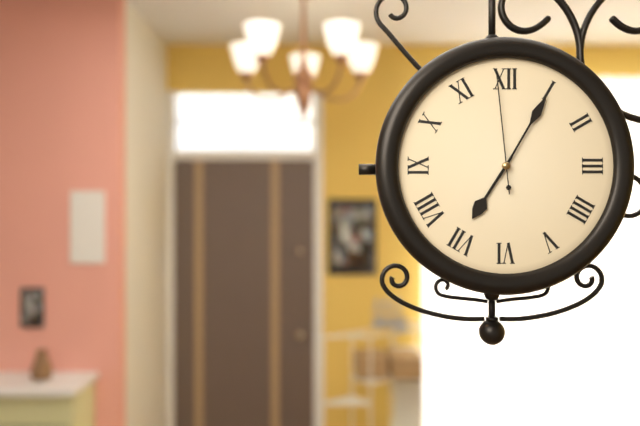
7.05.59
